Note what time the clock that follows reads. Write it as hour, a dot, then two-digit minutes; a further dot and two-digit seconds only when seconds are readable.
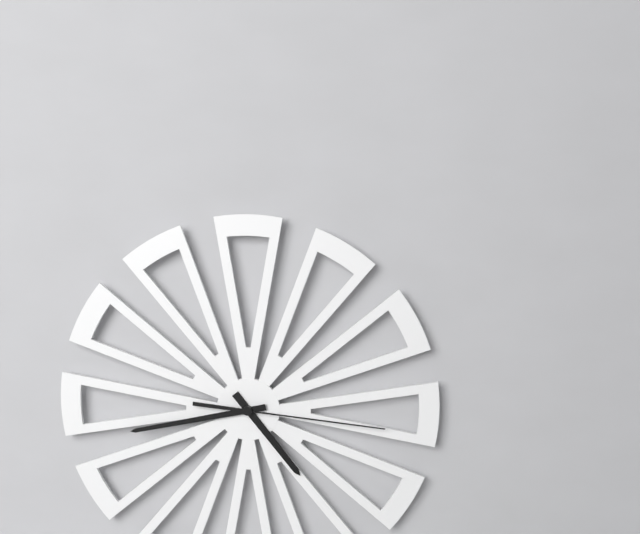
4.43.16
